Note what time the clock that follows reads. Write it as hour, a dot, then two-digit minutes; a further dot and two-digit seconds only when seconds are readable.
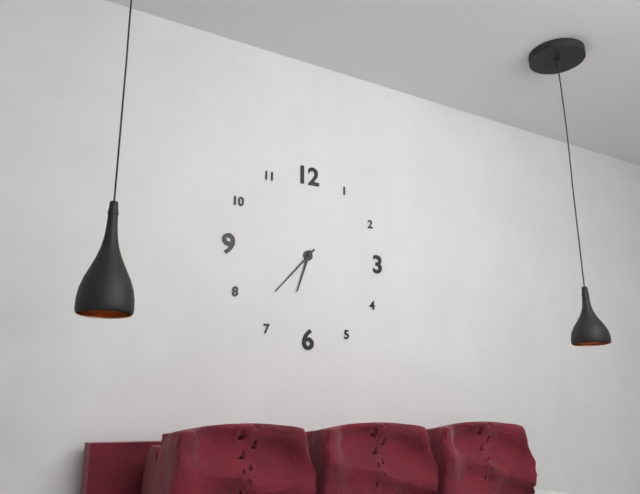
6.37
